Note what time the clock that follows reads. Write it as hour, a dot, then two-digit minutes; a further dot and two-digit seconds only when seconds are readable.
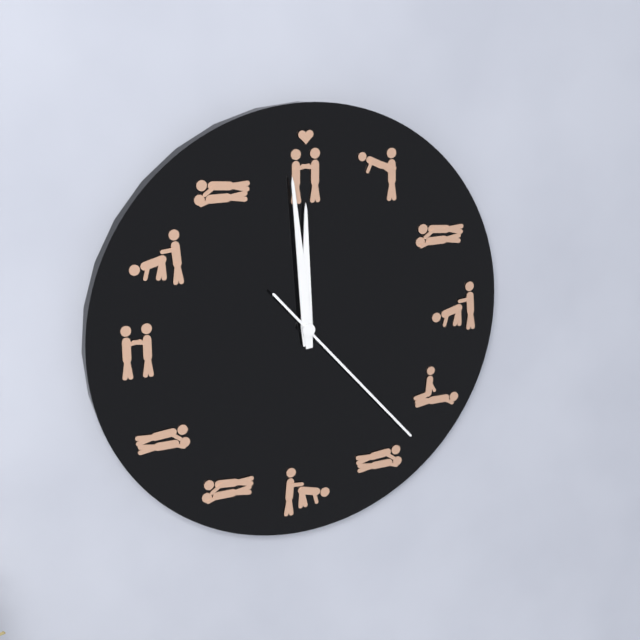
11.59.23
